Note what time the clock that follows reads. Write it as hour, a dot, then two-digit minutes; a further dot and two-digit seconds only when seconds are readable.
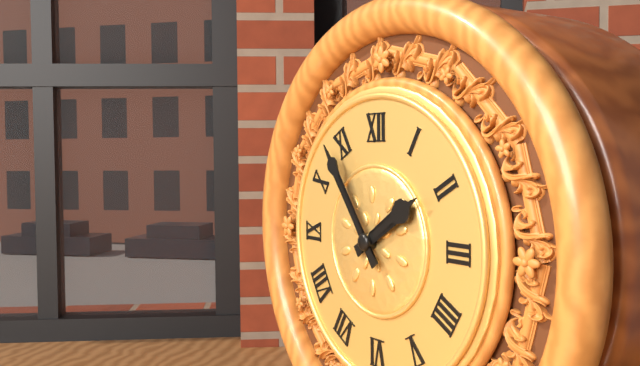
1.54
